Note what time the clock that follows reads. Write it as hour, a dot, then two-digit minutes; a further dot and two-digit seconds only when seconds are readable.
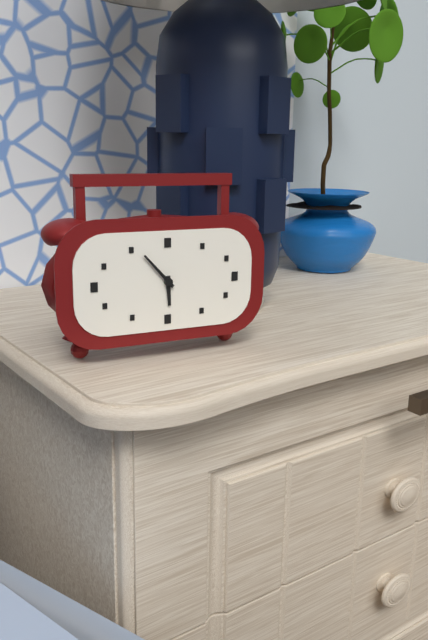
5.53
